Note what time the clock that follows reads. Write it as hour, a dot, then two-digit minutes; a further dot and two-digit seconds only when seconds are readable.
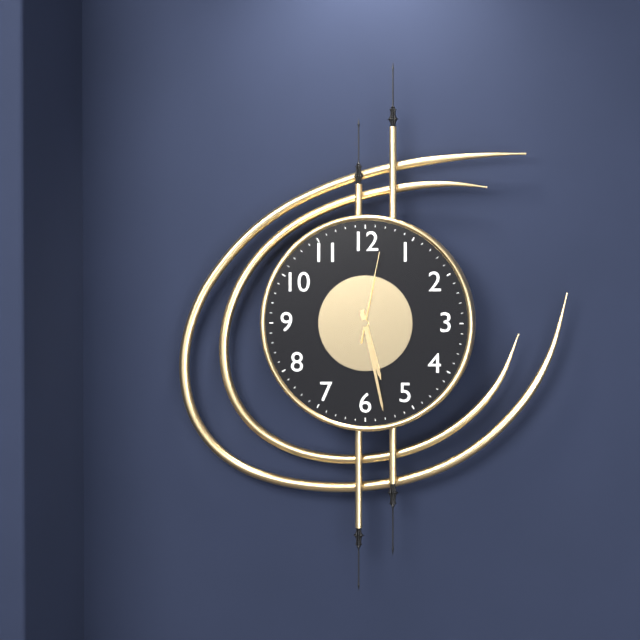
5.28.02
